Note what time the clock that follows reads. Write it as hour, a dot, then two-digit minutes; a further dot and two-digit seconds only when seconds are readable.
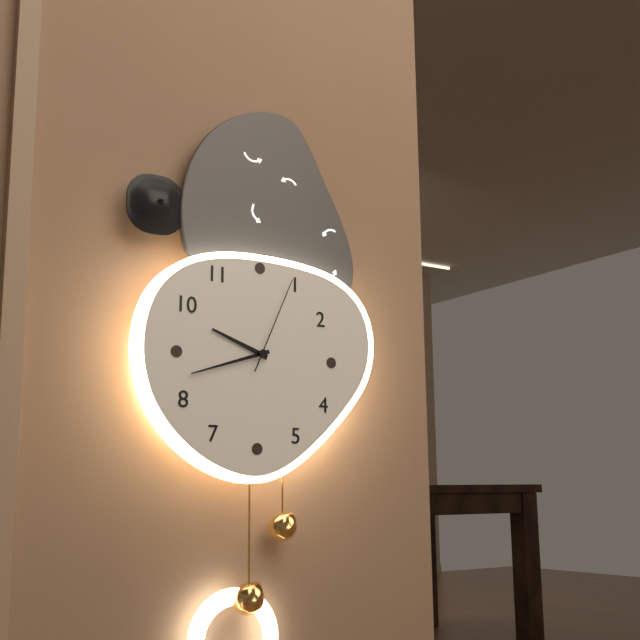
9.42.04
